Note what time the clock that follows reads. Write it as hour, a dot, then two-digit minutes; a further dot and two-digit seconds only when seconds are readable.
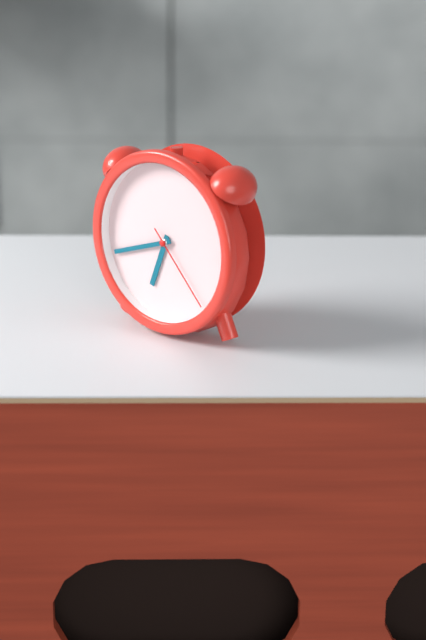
6.42.23
